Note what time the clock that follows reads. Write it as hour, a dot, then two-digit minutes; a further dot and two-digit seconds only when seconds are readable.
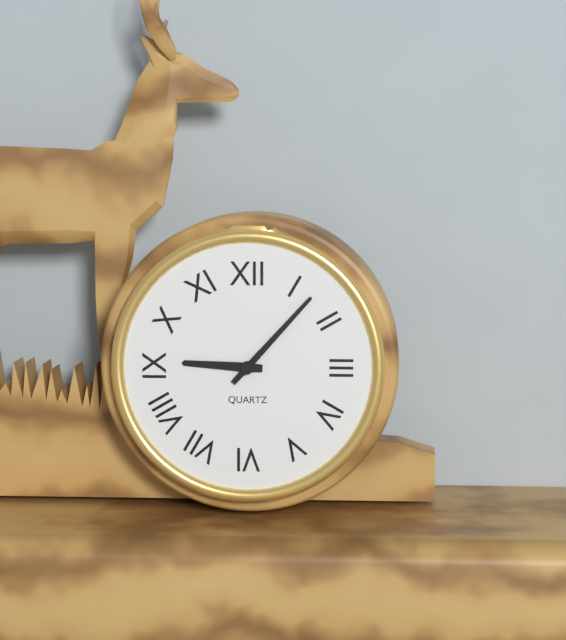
9.07
